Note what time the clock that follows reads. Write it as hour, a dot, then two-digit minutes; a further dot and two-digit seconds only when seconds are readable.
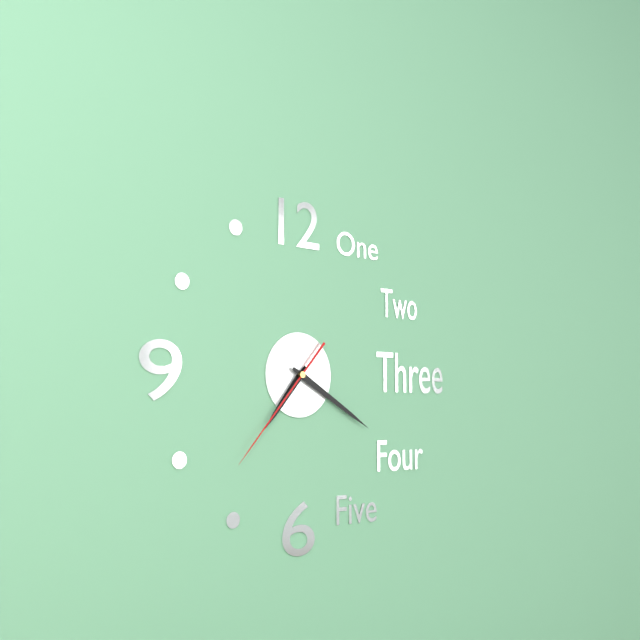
7.20.37
